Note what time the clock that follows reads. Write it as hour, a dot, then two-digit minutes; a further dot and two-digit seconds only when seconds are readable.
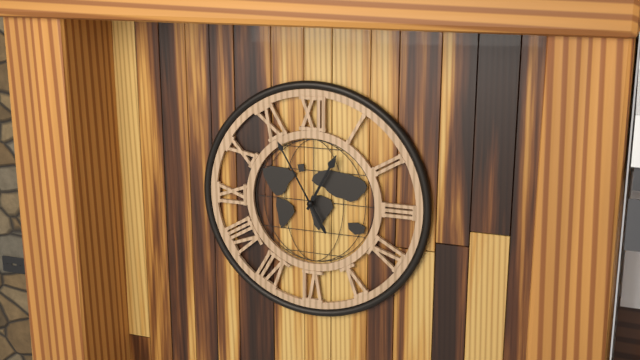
12.55
